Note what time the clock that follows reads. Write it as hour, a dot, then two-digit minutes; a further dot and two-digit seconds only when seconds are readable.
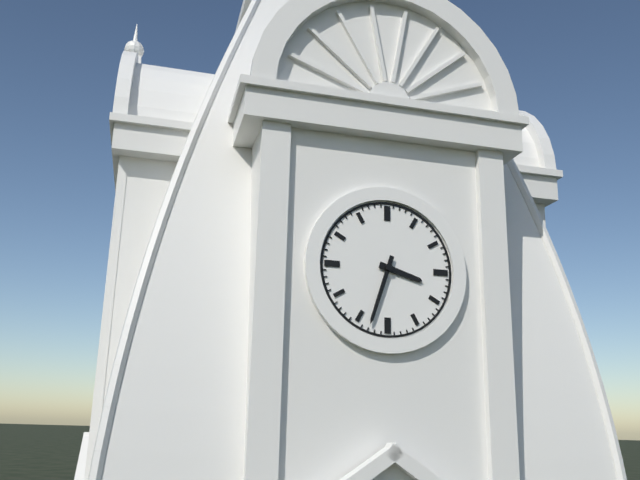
3.33
